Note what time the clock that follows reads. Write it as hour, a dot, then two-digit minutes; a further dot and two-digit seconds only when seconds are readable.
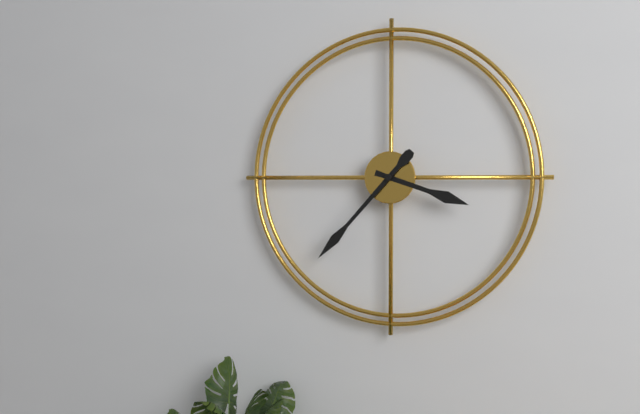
3.37
